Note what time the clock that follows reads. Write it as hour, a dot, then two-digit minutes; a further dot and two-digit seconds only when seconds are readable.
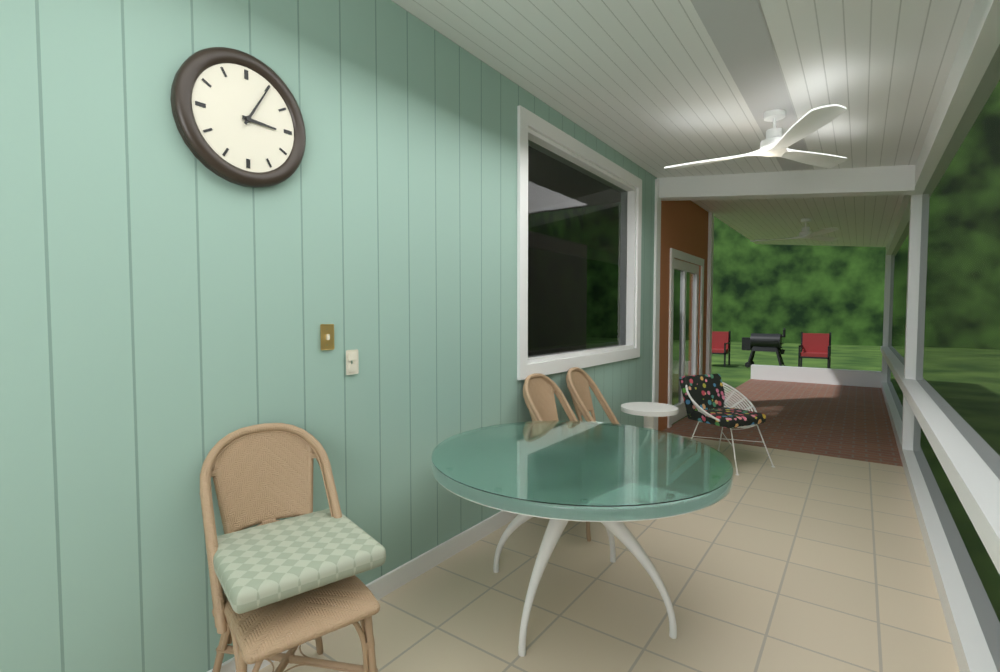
3.05
